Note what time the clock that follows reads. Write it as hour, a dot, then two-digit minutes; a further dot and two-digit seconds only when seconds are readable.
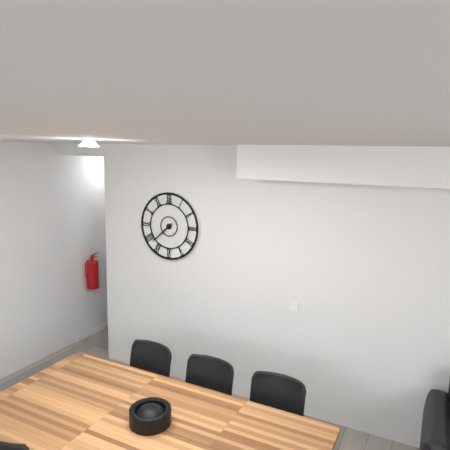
7.38
